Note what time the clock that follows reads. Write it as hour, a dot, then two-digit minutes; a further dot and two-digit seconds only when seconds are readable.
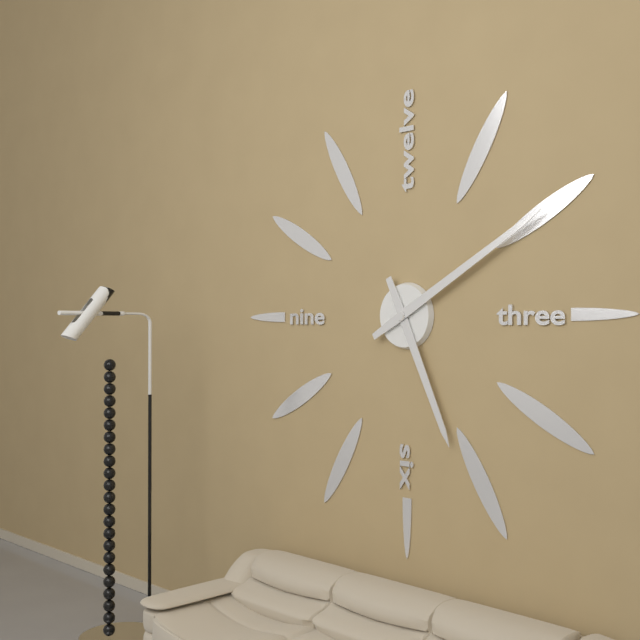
5.10
